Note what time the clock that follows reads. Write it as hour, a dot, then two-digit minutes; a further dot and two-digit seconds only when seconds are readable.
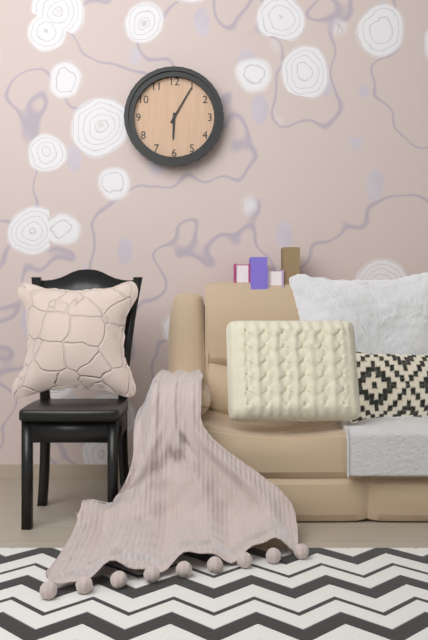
6.05
